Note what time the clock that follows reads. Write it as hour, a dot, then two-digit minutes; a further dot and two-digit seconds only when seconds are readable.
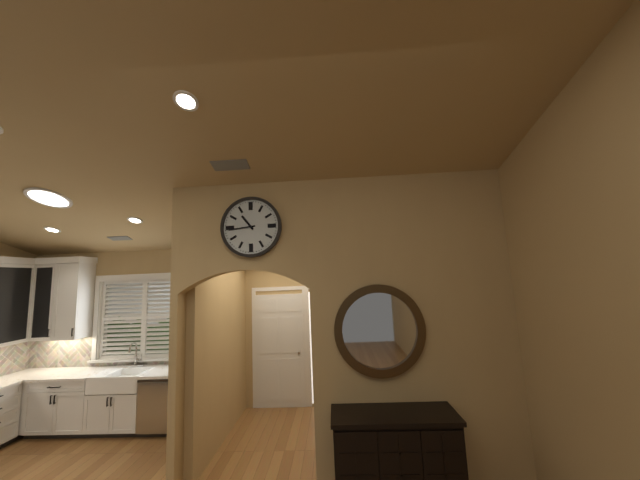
10.44
